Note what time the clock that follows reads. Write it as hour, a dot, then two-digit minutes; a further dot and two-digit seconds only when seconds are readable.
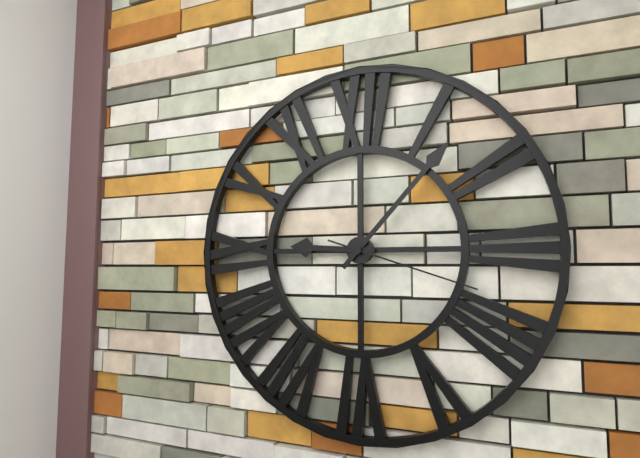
9.07.18
